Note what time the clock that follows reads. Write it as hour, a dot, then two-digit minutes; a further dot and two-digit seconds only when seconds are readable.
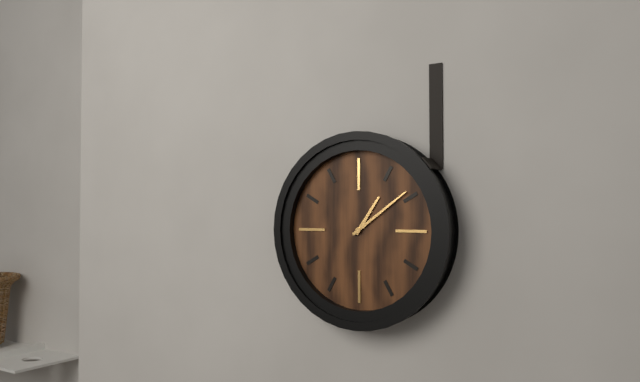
1.09
